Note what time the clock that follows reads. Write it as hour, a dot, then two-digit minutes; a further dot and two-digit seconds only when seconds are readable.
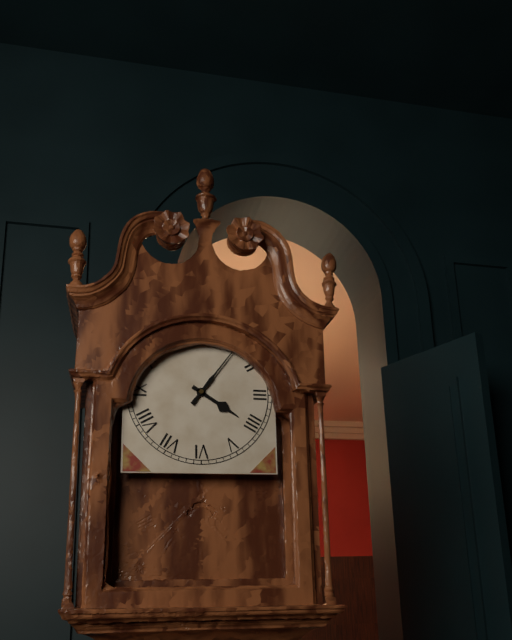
4.06
